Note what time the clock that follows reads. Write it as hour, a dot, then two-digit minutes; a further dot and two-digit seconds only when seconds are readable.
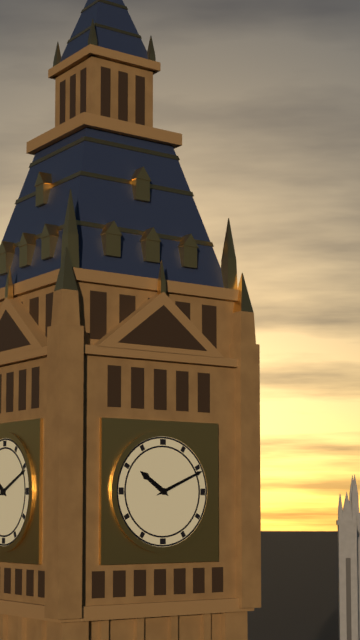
10.11
